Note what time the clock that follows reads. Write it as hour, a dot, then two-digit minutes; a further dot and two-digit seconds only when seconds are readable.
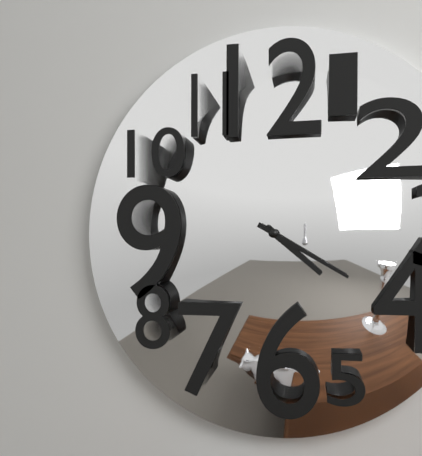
4.20
